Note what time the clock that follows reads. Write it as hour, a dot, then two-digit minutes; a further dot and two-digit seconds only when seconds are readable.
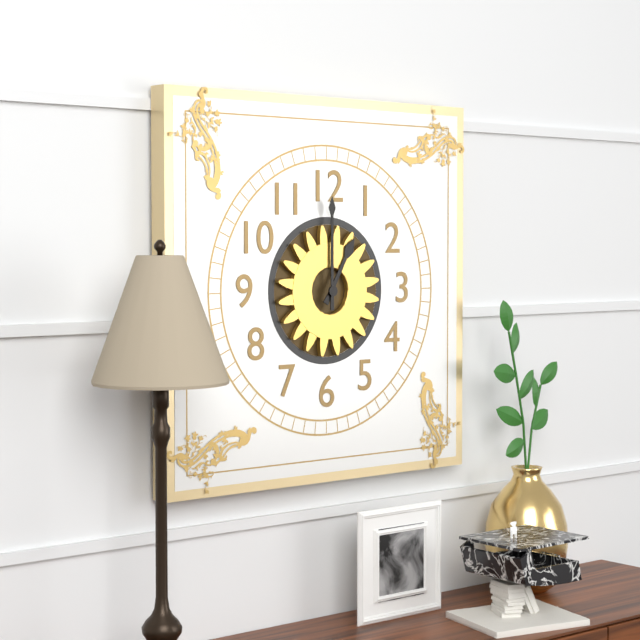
1.00
